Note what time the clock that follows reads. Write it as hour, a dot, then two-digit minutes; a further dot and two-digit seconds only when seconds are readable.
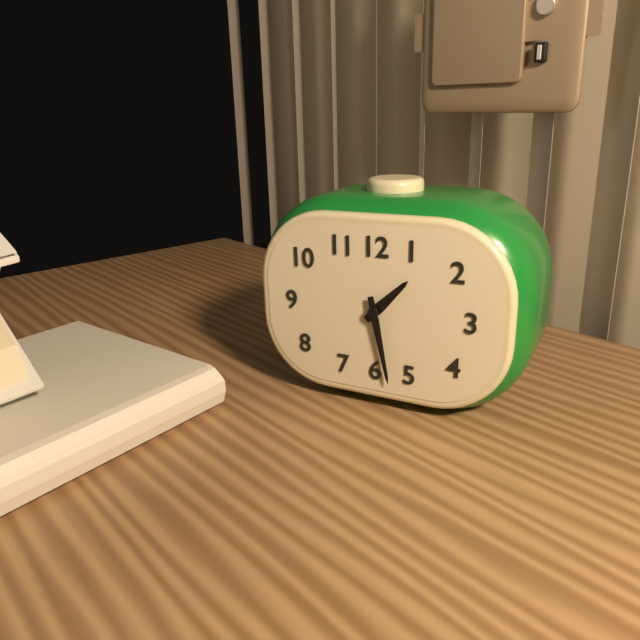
1.28
